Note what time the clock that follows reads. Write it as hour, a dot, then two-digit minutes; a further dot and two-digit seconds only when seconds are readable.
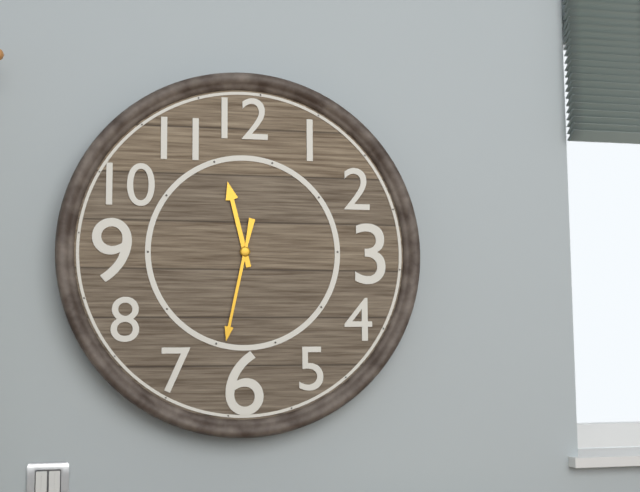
11.32
